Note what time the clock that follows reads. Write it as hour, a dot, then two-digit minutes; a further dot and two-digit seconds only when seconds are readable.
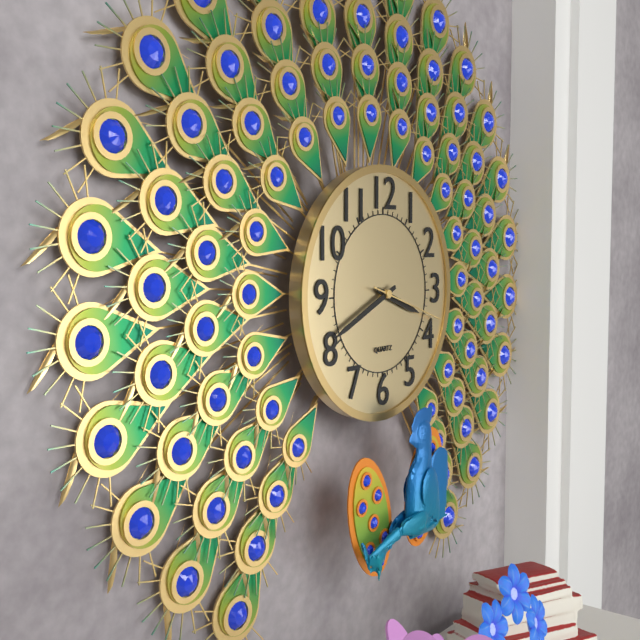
3.41.18
